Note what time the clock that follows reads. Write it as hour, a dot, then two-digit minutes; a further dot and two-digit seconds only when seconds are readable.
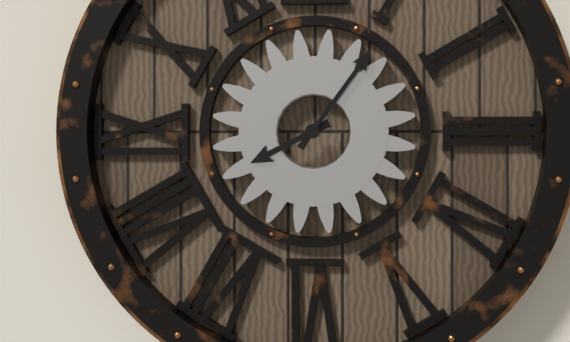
8.06
